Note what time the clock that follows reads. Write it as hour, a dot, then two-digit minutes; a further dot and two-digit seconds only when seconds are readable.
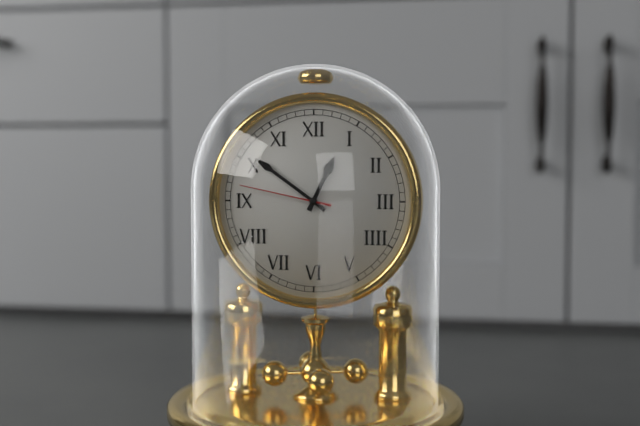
12.51.47
